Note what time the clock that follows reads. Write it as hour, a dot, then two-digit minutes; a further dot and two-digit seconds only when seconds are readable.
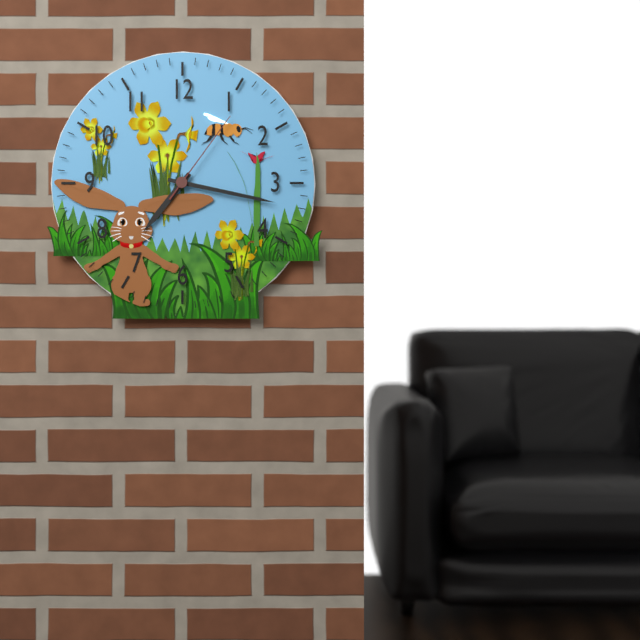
7.17.06
